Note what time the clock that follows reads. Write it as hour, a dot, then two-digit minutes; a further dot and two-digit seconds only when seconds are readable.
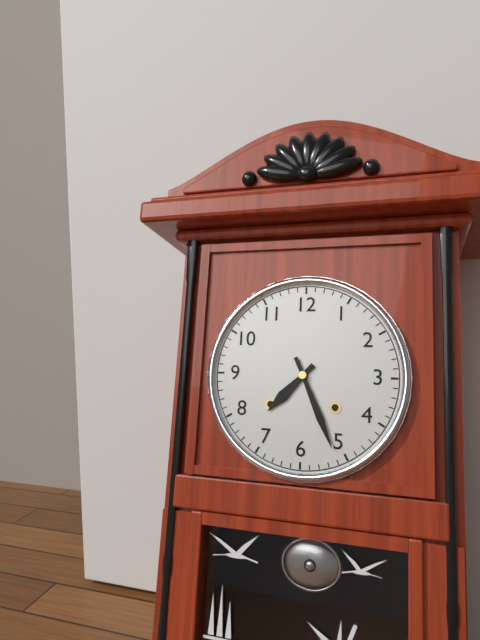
7.26
